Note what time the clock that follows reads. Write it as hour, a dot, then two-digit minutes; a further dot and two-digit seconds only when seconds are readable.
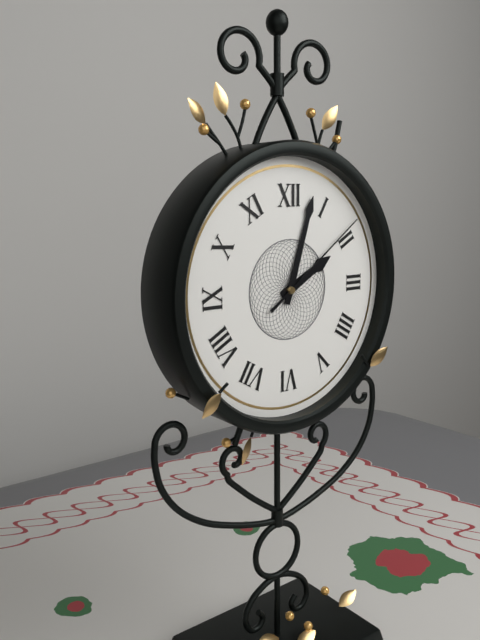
2.03.09
